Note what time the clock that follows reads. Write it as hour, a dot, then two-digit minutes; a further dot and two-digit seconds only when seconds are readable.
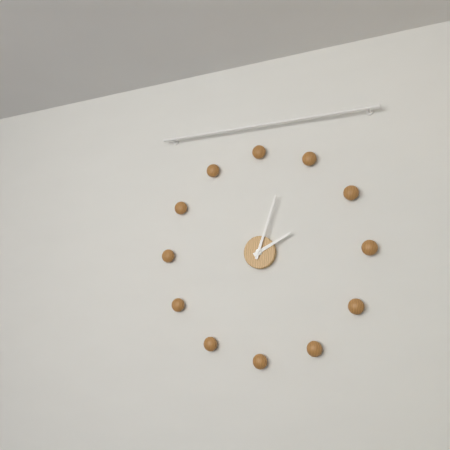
2.03
